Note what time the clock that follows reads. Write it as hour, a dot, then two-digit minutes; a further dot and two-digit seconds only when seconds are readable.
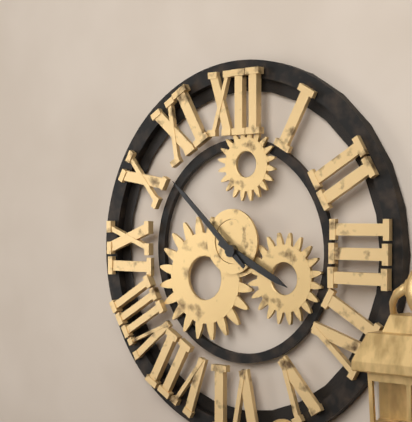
3.52
